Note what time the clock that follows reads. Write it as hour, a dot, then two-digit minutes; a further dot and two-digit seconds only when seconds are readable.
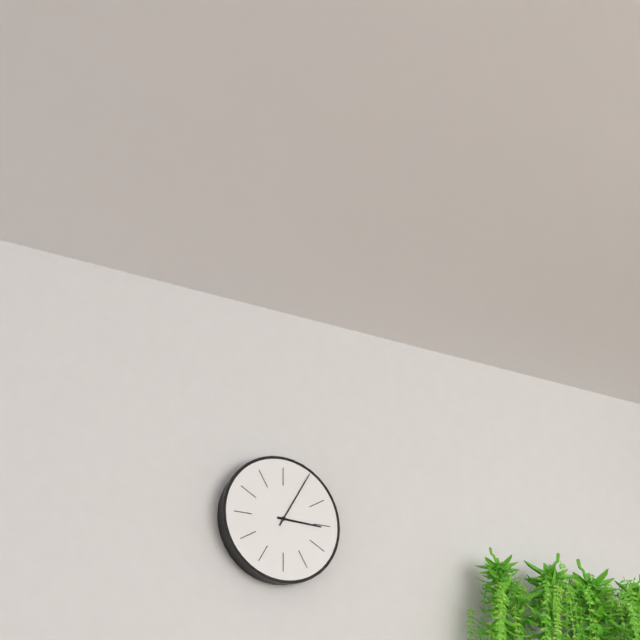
3.05
